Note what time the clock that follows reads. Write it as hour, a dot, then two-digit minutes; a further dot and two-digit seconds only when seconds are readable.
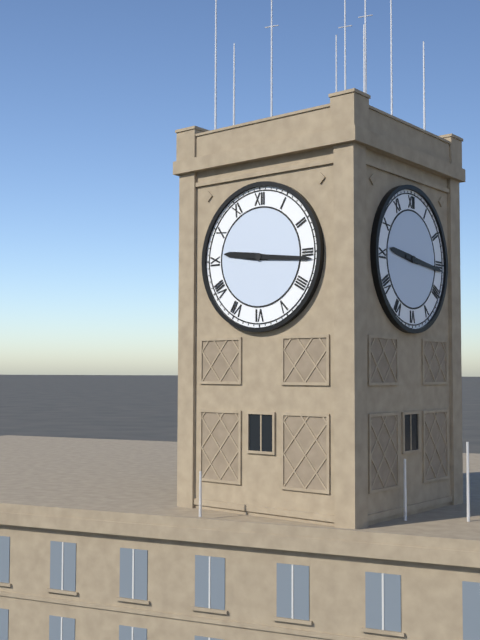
9.16
